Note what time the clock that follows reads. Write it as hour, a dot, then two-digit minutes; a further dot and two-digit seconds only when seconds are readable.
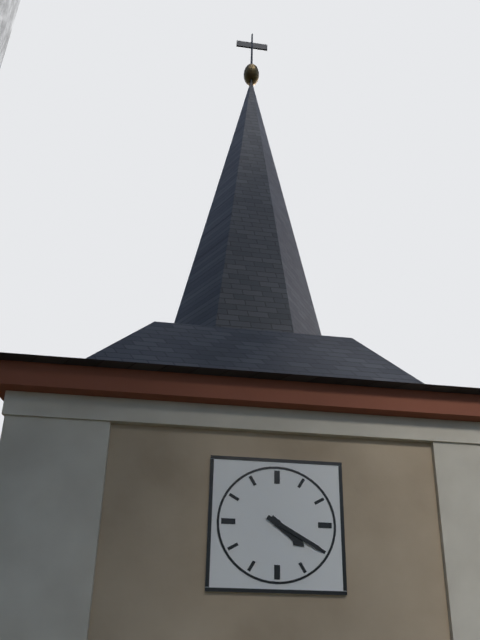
4.20
